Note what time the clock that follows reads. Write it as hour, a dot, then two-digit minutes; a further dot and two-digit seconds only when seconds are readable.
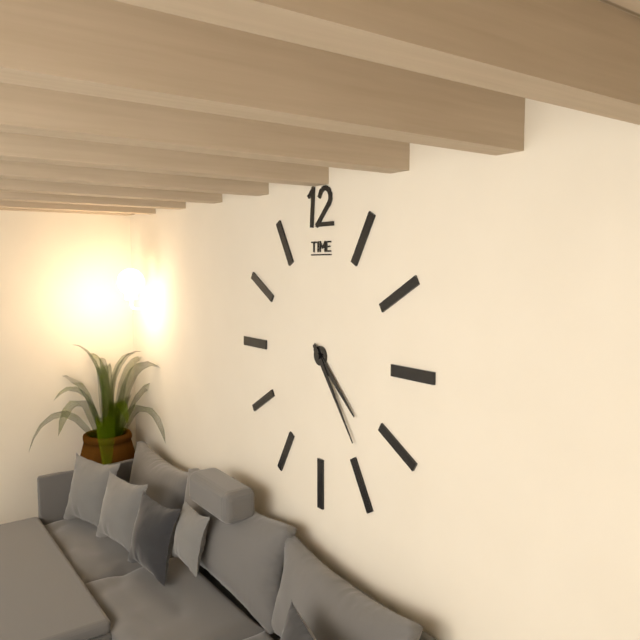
4.24
